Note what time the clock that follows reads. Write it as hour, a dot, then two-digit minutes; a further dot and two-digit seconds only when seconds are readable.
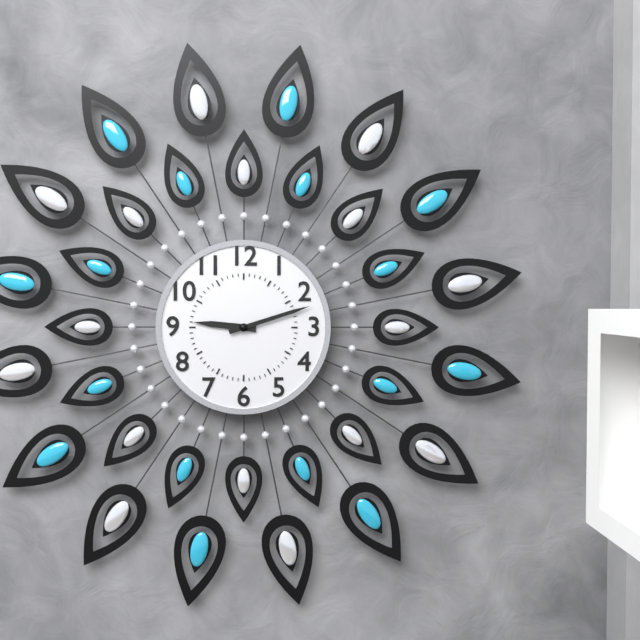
9.12
